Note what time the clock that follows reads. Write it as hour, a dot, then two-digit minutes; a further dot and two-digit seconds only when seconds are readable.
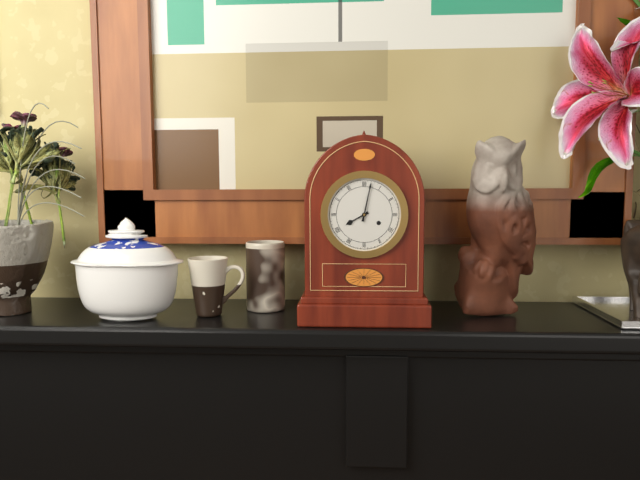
8.02
